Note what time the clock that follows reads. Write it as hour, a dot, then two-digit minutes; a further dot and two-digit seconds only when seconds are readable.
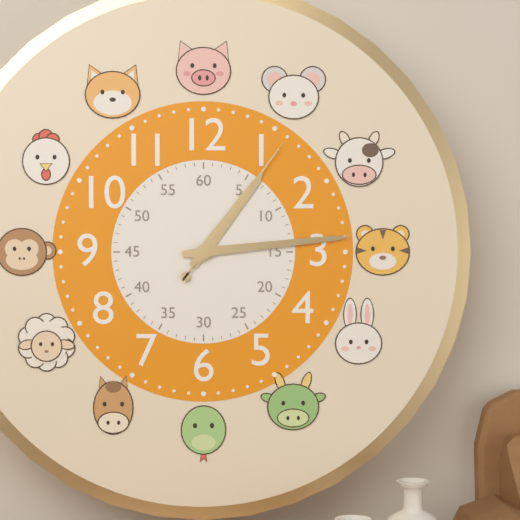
1.14.06
